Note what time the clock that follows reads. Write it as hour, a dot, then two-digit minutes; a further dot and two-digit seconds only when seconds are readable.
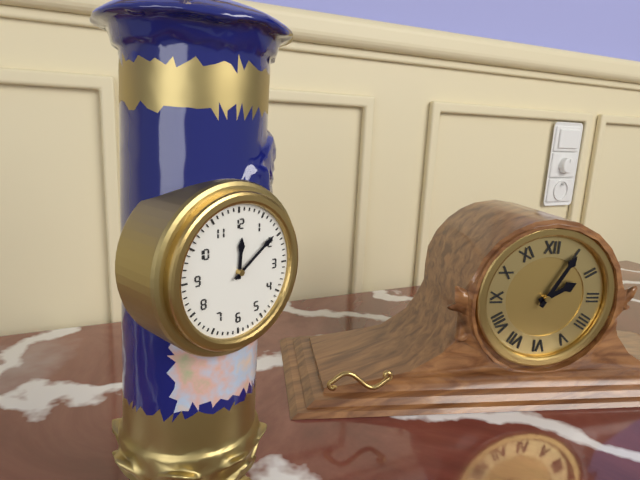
12.09
